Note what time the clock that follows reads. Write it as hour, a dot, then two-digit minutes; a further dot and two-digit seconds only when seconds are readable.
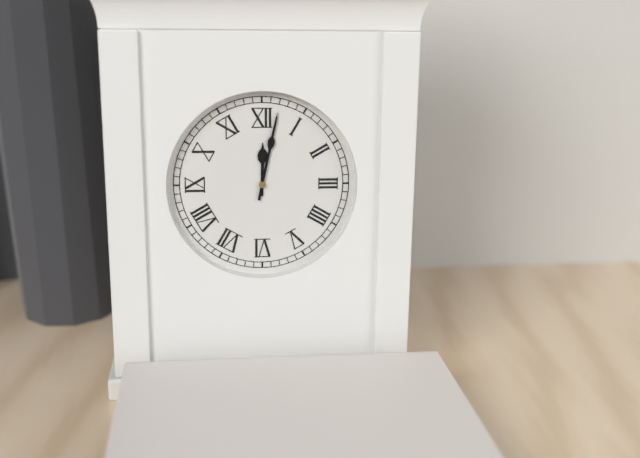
12.02
